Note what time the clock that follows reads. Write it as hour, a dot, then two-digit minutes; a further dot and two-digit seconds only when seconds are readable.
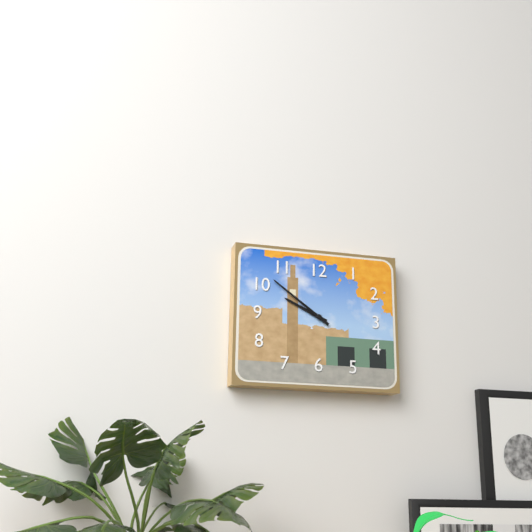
9.51
